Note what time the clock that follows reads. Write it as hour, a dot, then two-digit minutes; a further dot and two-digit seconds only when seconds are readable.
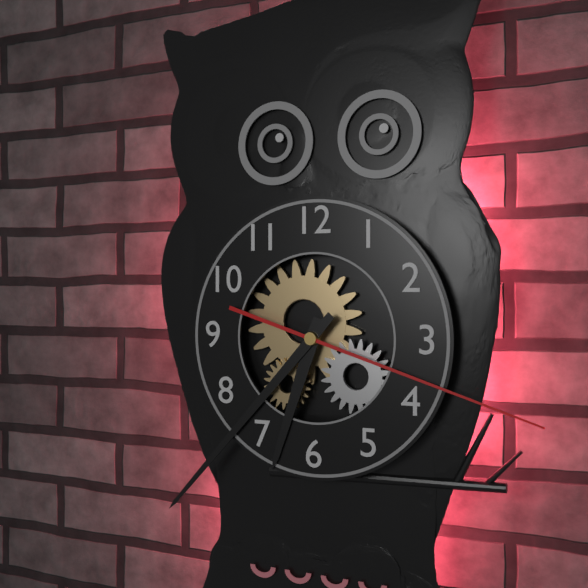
6.37.18
